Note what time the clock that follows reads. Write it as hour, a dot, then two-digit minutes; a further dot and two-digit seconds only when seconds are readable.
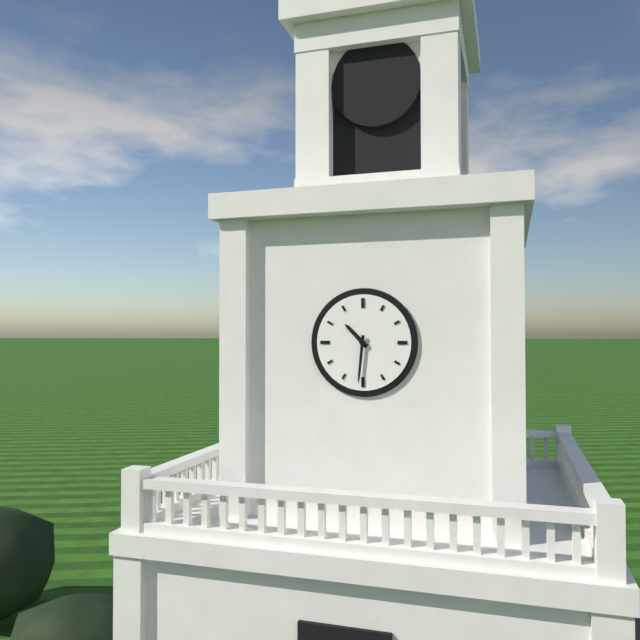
10.31
